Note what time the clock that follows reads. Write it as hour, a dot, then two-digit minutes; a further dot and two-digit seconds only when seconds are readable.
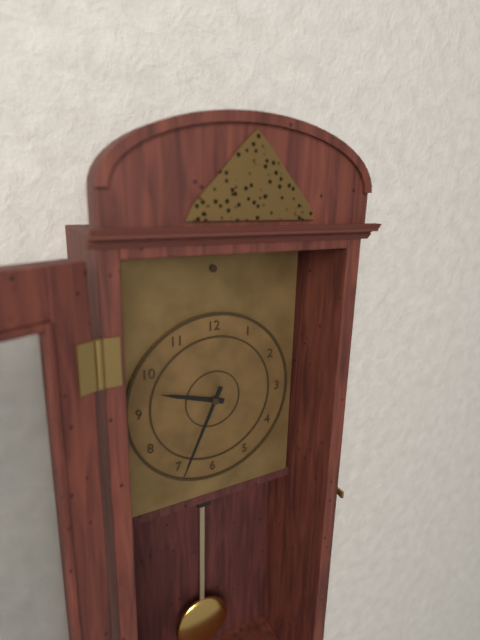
9.34
